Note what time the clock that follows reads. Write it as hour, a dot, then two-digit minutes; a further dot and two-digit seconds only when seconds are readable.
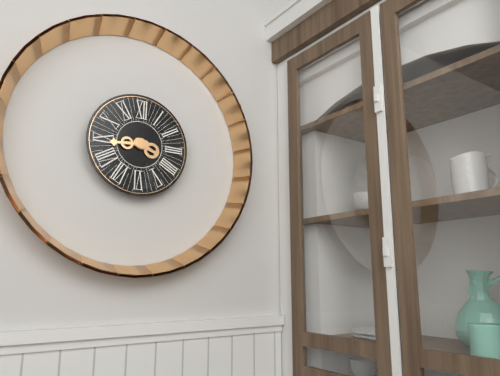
3.44
